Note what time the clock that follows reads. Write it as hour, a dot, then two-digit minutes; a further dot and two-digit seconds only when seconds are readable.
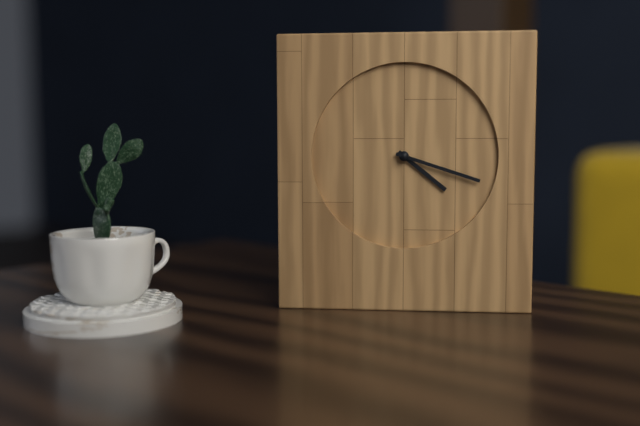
4.18
